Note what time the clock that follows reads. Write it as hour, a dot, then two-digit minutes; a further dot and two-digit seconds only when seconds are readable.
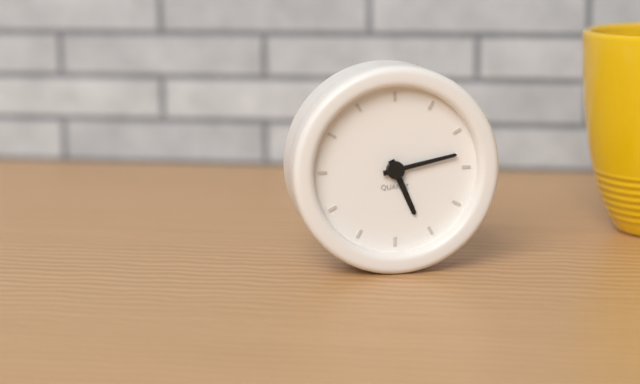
5.13
